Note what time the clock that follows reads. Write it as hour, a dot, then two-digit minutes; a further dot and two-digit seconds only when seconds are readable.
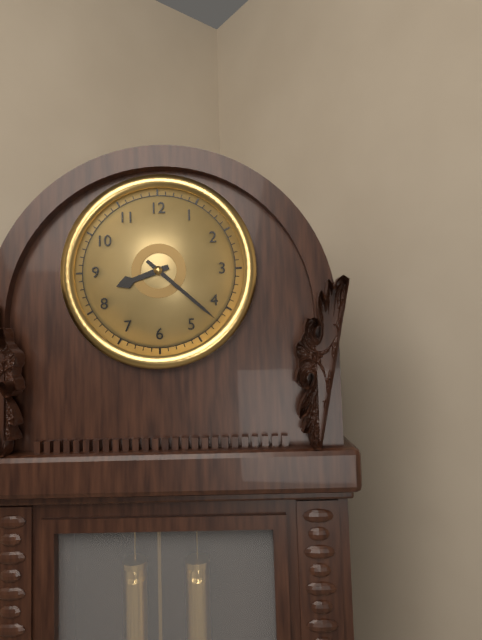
8.22
